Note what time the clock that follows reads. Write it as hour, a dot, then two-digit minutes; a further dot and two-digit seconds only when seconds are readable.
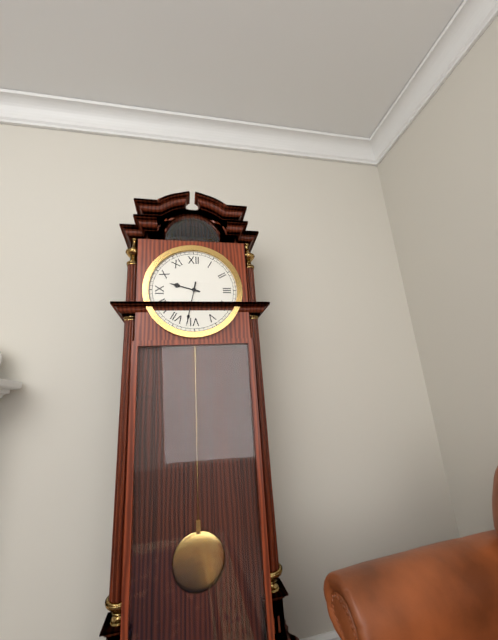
9.32
